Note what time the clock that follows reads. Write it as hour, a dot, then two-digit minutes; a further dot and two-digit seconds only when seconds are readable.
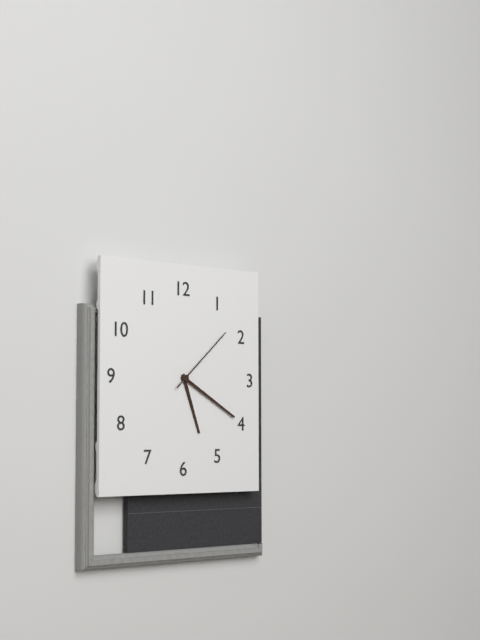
5.20.08
